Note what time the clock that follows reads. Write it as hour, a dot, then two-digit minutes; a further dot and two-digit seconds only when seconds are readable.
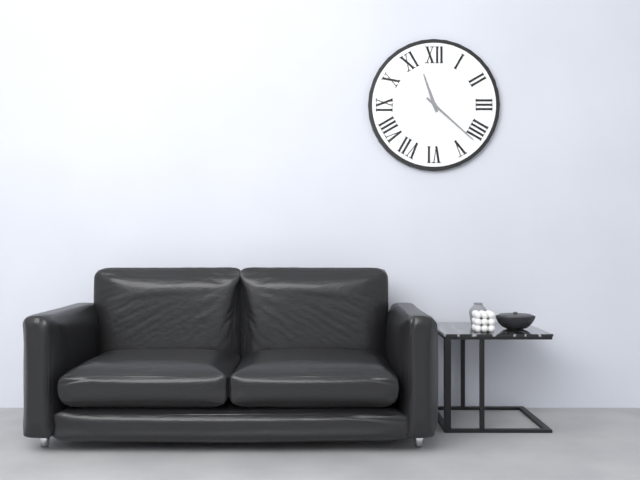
11.22
